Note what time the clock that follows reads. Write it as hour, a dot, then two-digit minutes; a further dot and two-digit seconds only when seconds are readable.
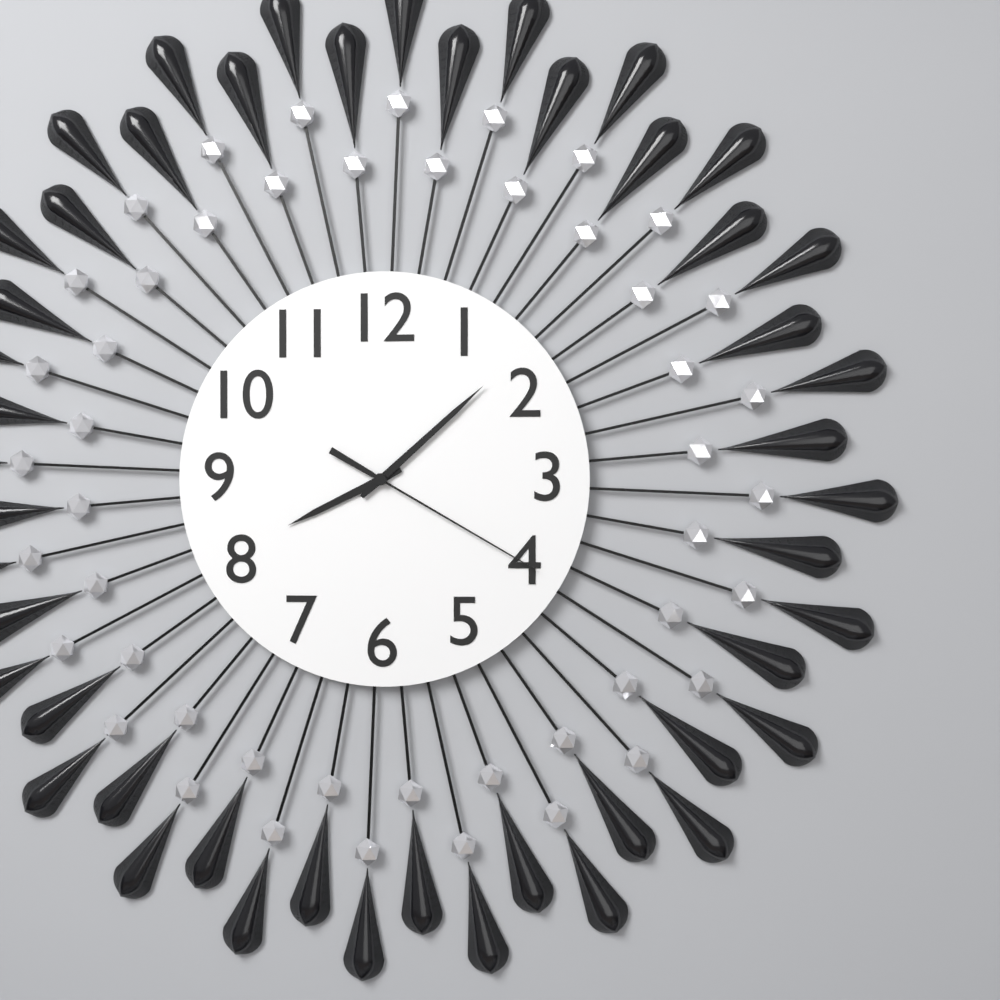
8.08.20
